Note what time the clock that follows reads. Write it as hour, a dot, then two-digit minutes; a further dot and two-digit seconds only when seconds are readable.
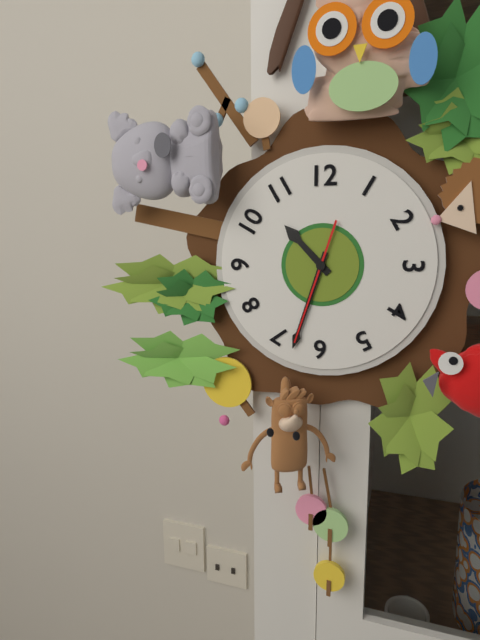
10.33.33
